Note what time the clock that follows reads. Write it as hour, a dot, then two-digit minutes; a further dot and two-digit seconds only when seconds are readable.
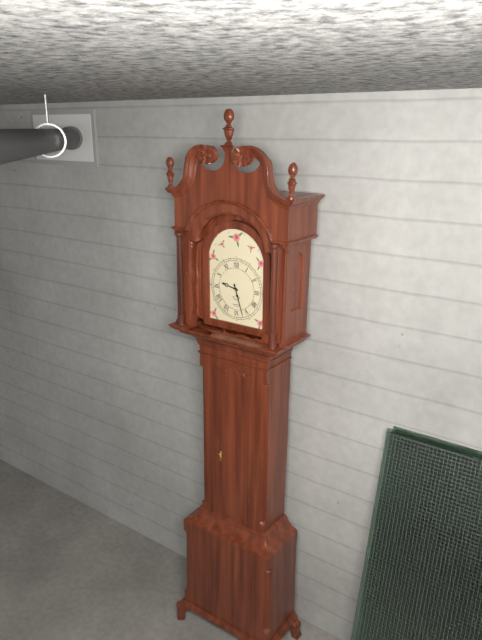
9.27
